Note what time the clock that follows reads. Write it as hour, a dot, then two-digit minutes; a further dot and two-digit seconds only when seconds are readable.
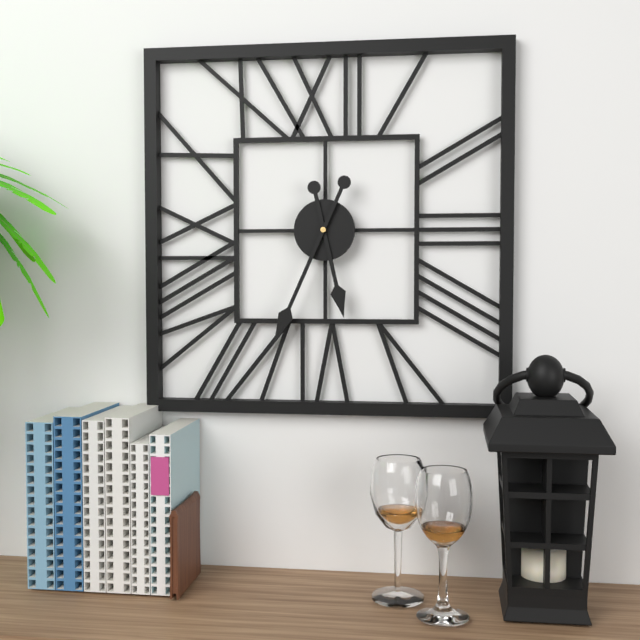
5.34
